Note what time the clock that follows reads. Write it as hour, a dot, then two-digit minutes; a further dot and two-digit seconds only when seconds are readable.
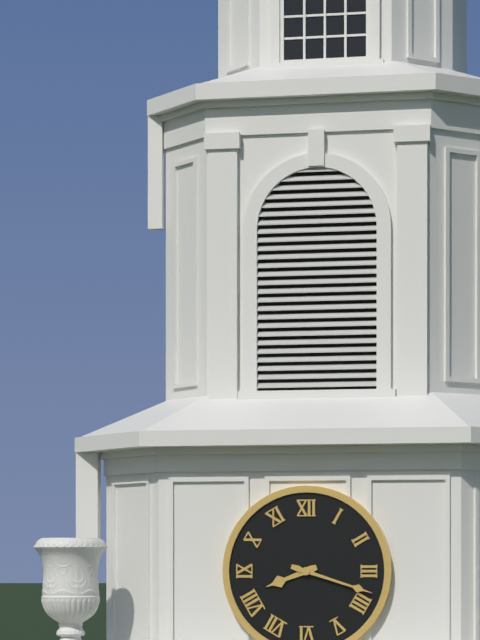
8.18
